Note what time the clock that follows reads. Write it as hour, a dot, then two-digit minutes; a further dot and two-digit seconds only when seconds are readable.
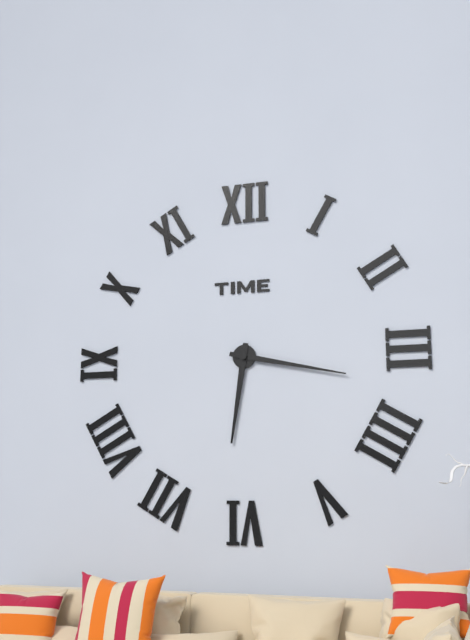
6.17
